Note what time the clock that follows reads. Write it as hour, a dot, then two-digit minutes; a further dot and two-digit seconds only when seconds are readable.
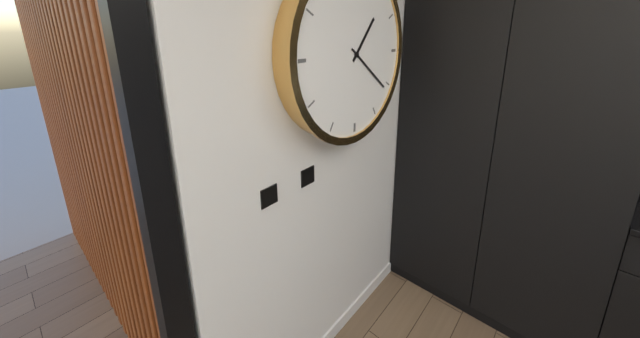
1.21
